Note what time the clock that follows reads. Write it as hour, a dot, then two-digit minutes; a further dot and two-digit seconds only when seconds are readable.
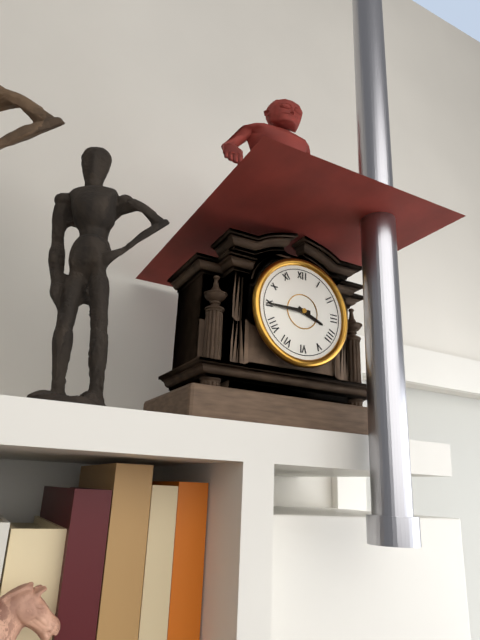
3.45
